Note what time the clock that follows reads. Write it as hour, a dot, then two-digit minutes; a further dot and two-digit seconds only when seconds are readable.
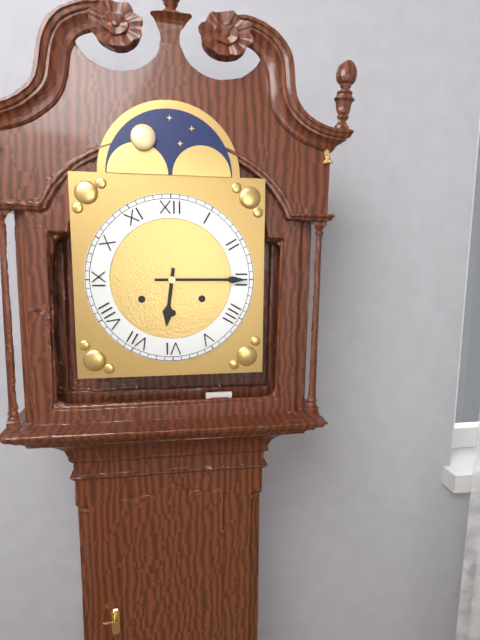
6.15
